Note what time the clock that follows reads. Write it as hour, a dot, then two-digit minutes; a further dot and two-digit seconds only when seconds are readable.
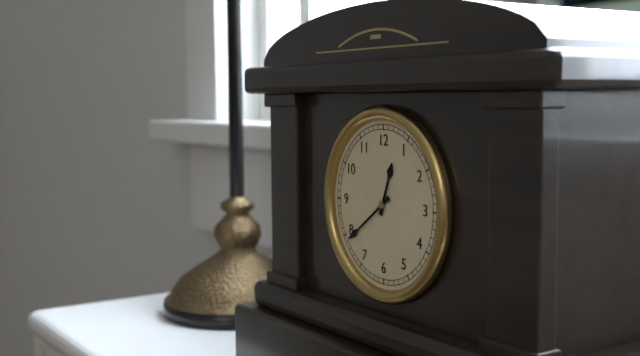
12.39
